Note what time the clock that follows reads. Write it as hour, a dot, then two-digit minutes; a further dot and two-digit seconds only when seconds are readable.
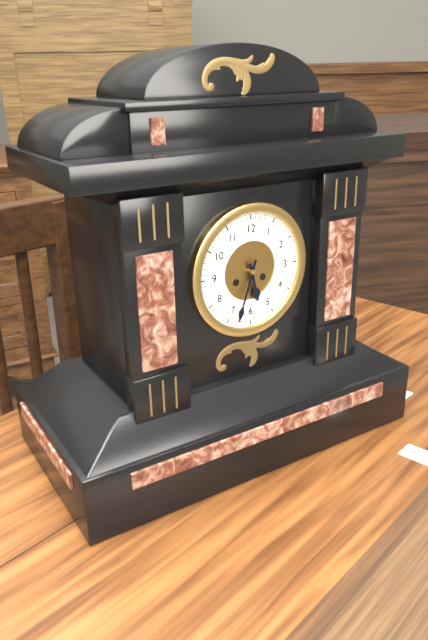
5.33
